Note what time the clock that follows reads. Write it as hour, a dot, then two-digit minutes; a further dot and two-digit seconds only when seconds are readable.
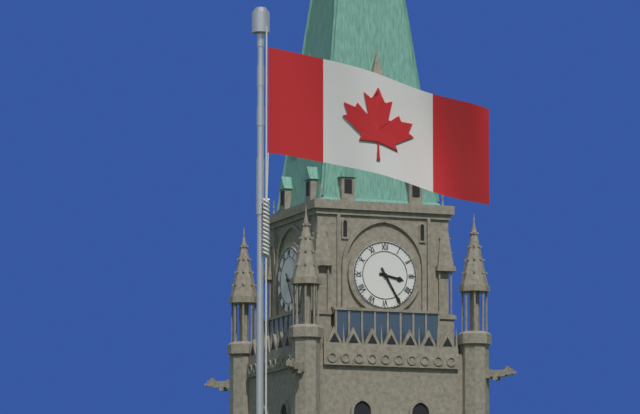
3.25
